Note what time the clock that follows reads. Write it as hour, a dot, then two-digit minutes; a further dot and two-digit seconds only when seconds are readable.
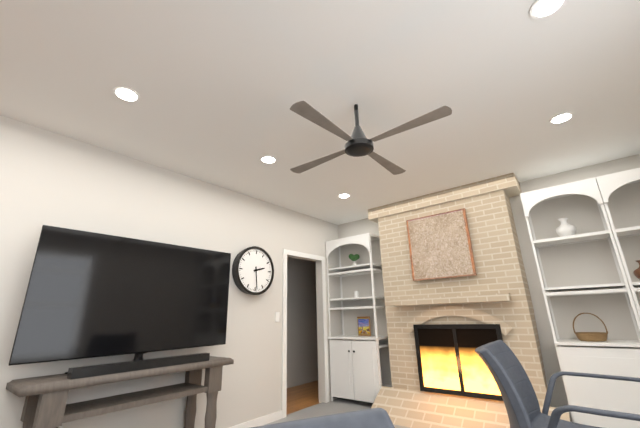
2.29
